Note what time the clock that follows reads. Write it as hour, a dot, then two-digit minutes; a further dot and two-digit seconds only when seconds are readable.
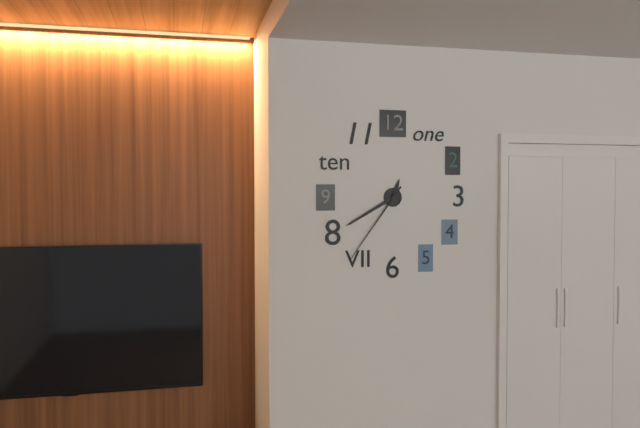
12.40.36
